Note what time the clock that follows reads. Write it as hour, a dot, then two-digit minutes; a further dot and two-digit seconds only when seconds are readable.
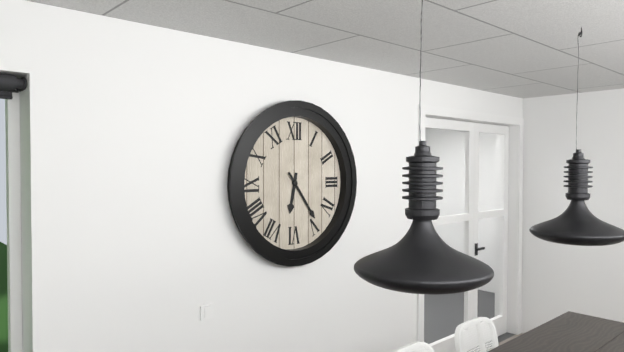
6.24
